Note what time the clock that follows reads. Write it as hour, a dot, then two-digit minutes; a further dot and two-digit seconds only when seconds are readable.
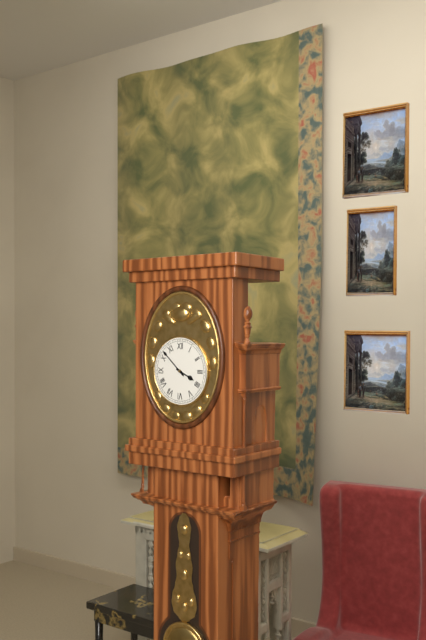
3.52
